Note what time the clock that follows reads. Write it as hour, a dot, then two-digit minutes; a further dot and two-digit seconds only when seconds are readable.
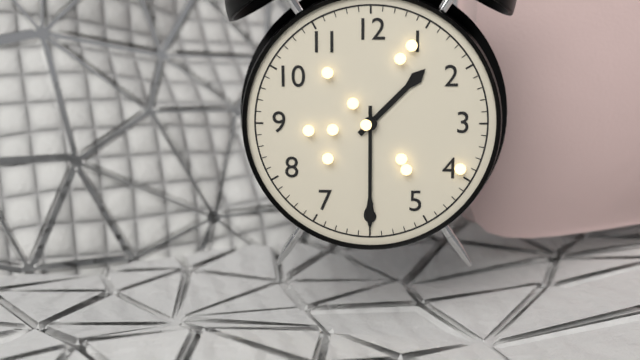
1.30
